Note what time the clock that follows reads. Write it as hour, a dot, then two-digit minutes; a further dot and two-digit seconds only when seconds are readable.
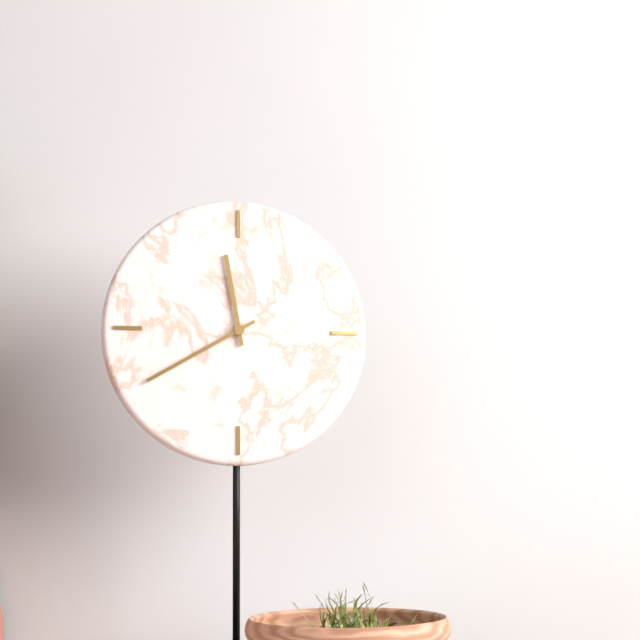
11.40
